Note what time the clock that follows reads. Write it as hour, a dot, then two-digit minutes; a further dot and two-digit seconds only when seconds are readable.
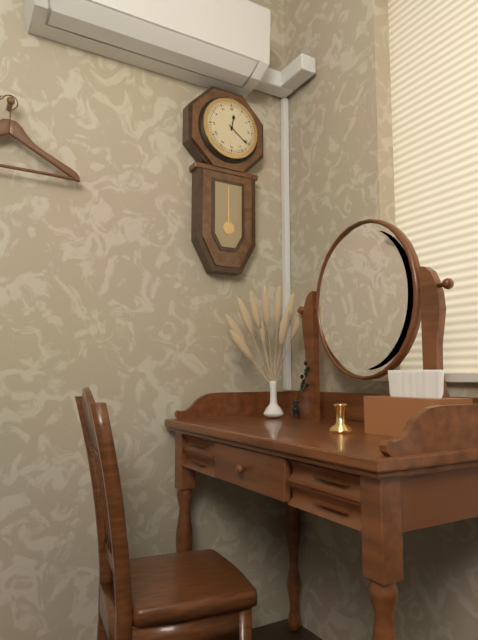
12.21
